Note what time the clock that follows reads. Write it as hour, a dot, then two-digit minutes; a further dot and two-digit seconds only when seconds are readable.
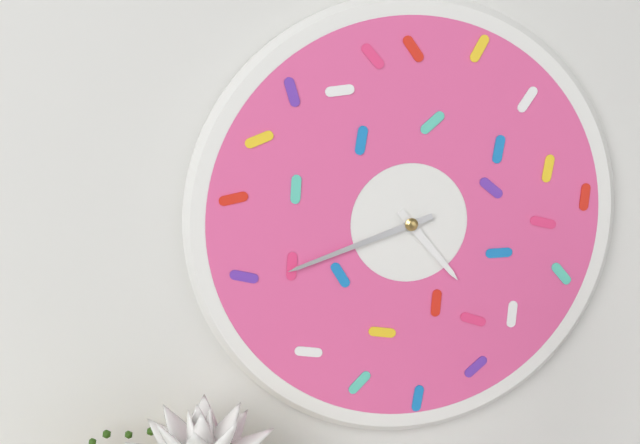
4.42
